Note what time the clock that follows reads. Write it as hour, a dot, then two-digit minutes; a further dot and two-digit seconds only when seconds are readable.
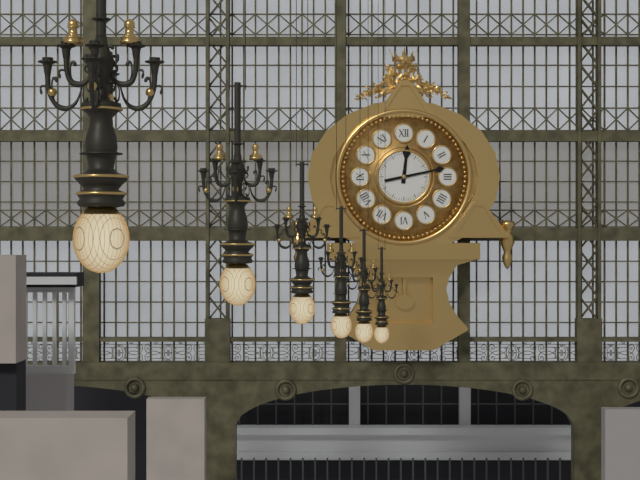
12.13
